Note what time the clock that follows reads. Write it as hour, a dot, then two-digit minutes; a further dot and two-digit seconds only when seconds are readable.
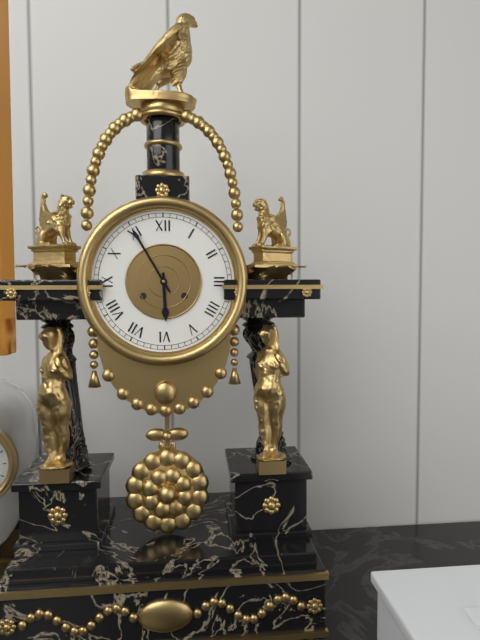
5.55
